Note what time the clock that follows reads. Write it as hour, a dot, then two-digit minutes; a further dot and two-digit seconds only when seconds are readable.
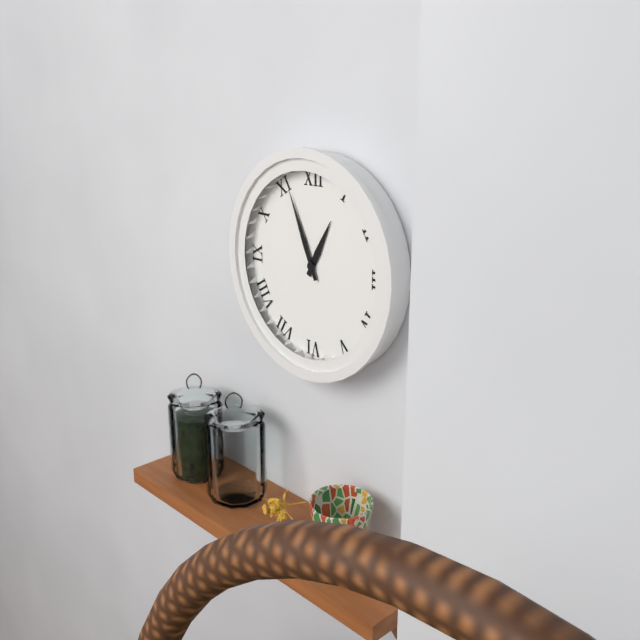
12.56
